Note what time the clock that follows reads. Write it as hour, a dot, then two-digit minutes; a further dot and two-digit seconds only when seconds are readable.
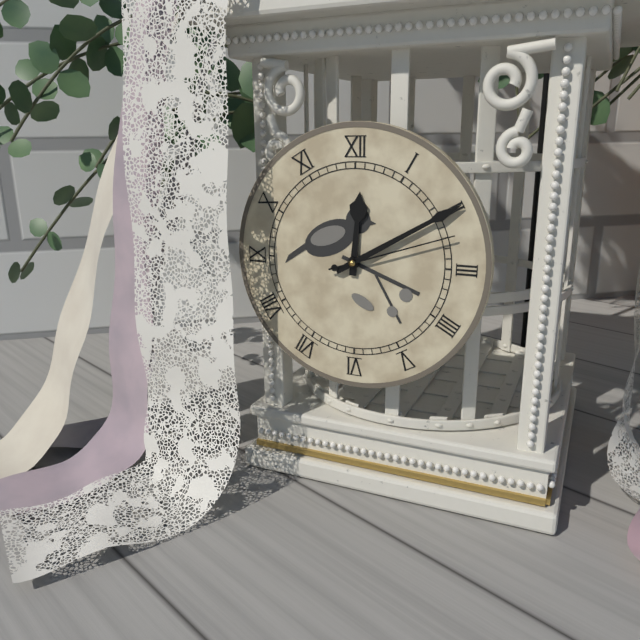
12.10.12
